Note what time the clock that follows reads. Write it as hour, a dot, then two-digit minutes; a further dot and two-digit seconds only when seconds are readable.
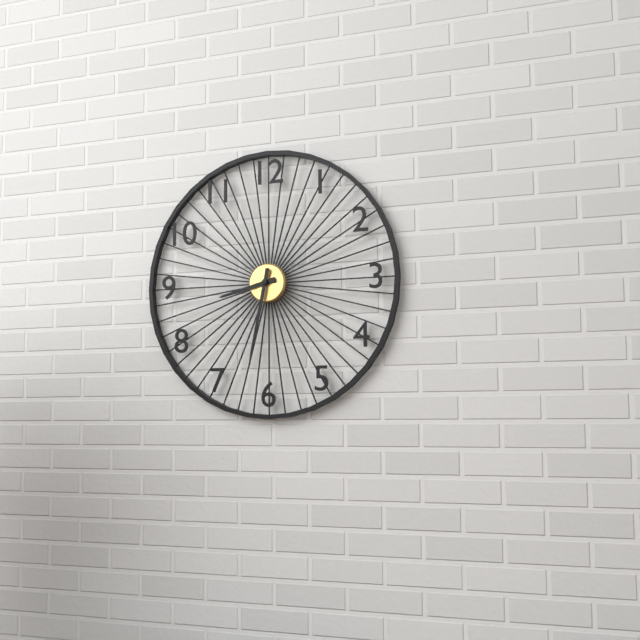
8.32
